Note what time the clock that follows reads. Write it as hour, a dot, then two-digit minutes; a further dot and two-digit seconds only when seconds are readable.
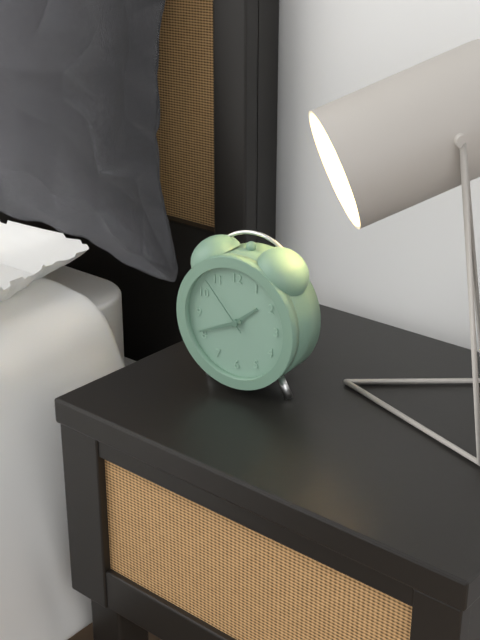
1.41.53
